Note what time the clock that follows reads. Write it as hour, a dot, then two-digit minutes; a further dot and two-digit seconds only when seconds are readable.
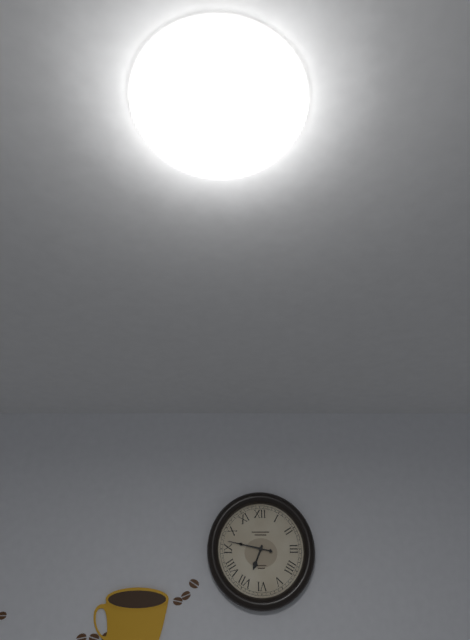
6.47
